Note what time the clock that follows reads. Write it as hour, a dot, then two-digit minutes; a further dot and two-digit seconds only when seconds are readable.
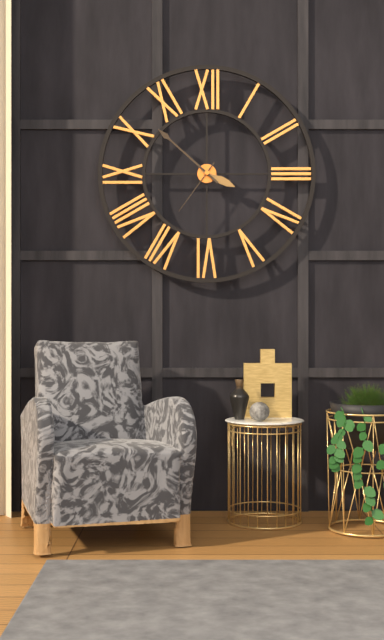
3.52.36
